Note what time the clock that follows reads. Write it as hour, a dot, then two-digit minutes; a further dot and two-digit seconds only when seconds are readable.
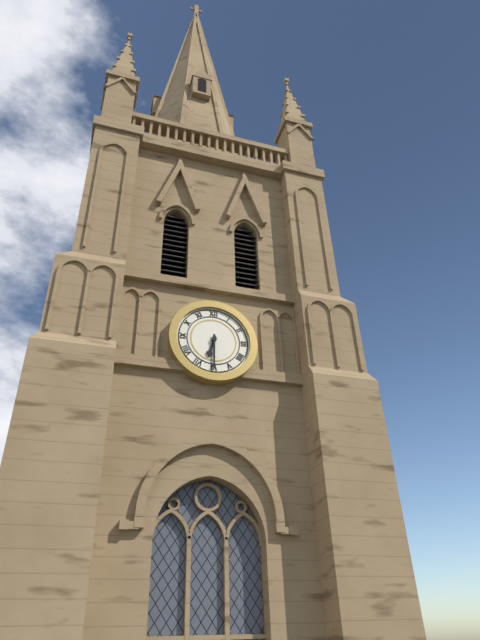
6.30
